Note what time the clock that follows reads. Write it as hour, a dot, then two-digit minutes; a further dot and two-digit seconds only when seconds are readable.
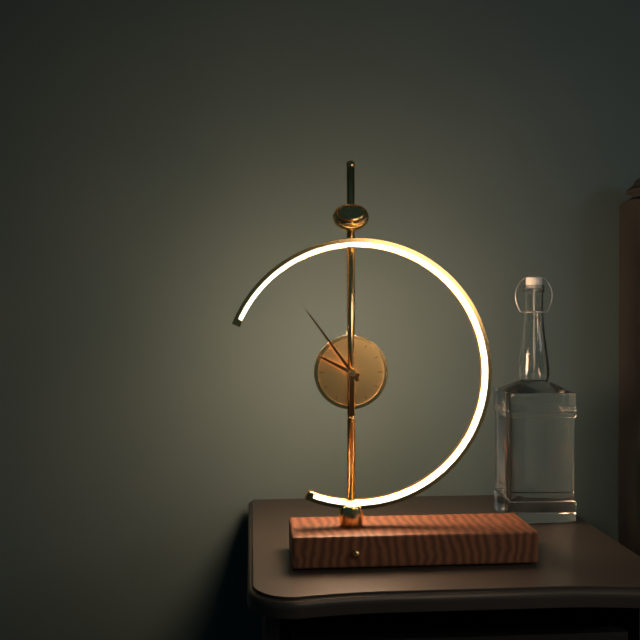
9.54
